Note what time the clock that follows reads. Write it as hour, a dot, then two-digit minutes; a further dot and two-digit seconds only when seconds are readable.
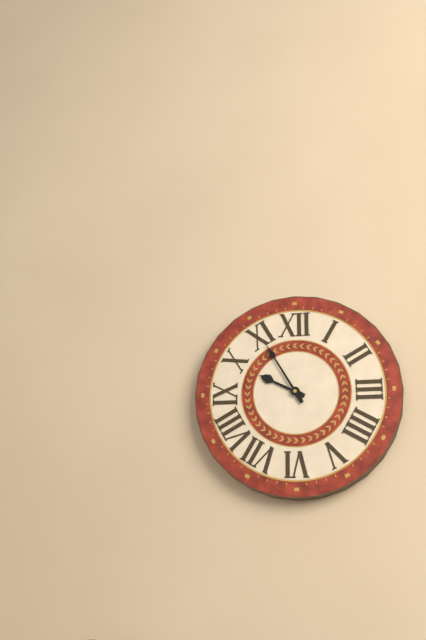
9.55
